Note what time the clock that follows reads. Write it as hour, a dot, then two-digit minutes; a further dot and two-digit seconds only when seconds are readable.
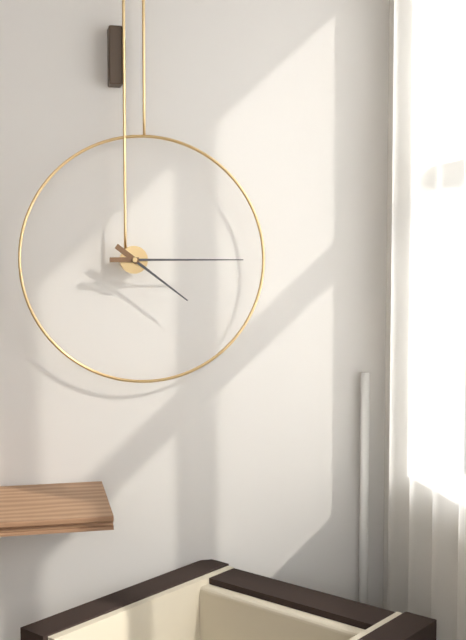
4.15
